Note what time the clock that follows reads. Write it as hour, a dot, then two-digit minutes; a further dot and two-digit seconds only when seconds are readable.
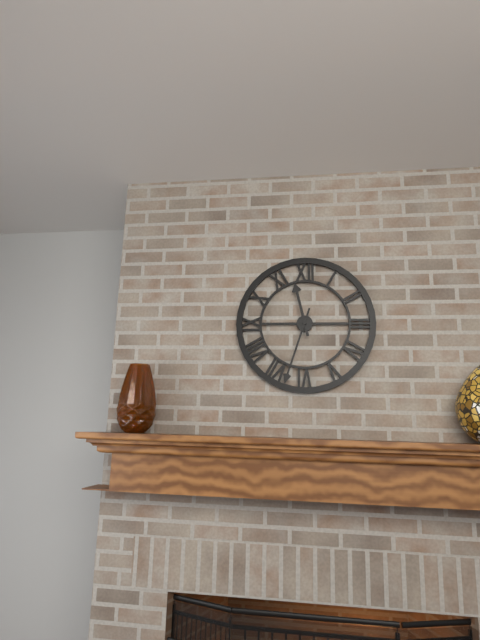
11.33
